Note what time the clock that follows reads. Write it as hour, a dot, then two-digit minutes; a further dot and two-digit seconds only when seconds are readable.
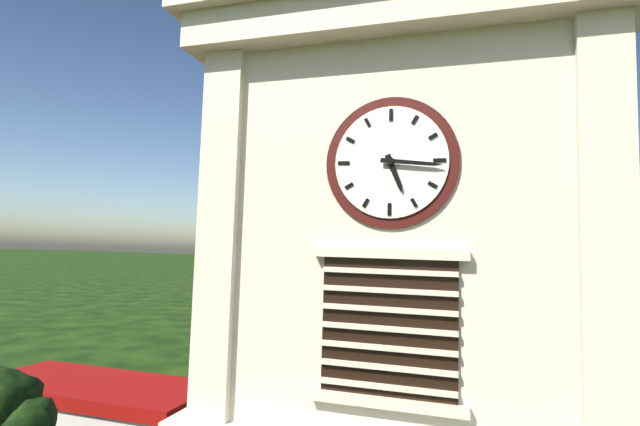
5.16
